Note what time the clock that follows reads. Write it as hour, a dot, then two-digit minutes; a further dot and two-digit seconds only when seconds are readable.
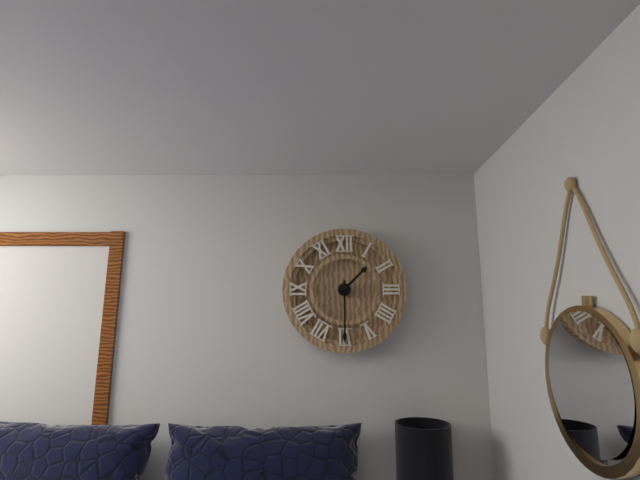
1.30
